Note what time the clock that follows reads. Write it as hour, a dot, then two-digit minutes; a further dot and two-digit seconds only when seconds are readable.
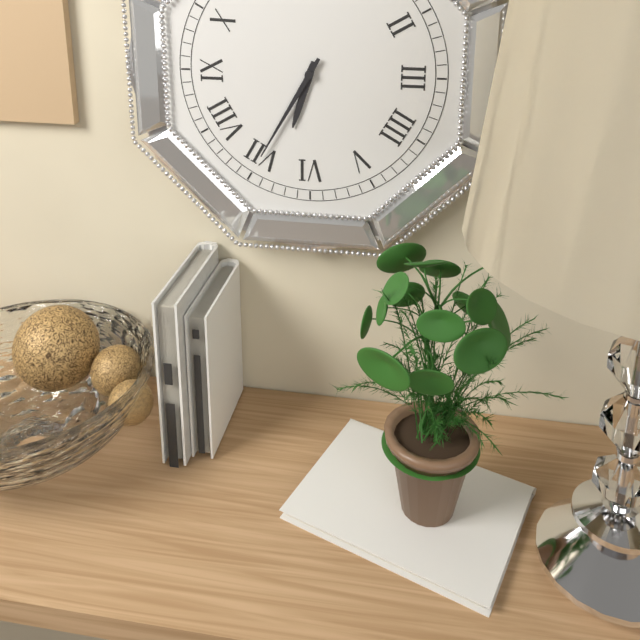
6.35
